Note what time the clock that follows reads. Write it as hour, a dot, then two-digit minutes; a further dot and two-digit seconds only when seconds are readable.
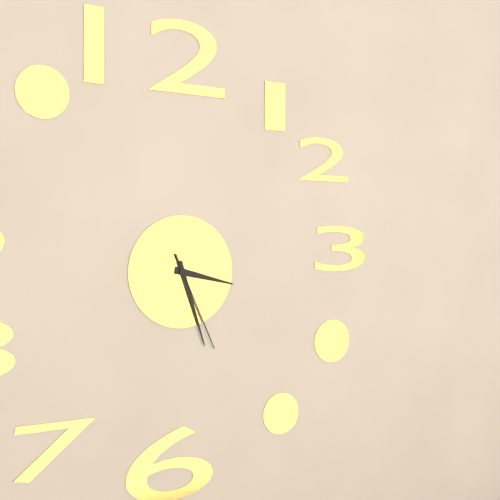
3.27.26
